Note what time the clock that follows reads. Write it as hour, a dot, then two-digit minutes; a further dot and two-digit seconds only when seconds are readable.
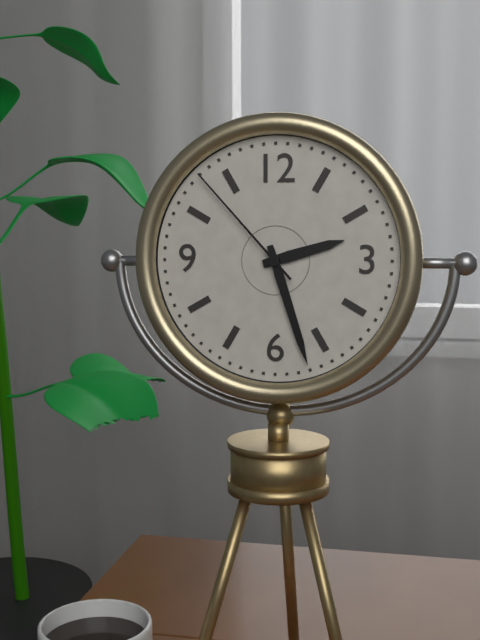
2.27.53
